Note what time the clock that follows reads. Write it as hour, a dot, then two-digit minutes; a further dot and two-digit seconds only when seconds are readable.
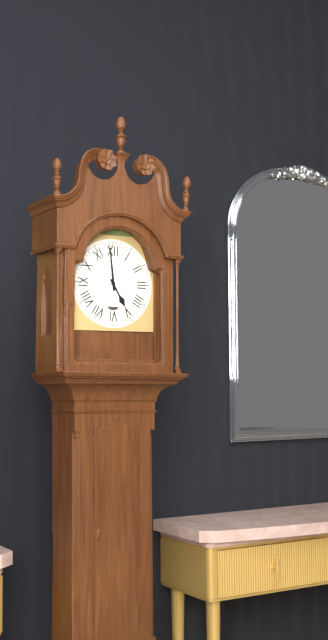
4.59
